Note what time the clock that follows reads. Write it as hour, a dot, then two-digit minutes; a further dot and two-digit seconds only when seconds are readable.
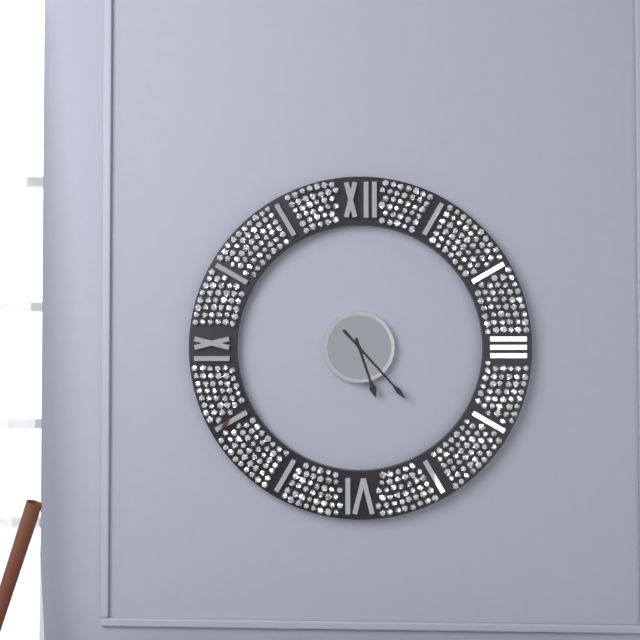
5.23
